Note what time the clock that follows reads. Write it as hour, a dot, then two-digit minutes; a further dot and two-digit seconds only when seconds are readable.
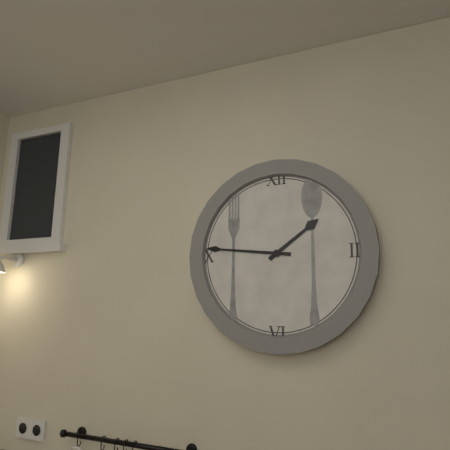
1.46
